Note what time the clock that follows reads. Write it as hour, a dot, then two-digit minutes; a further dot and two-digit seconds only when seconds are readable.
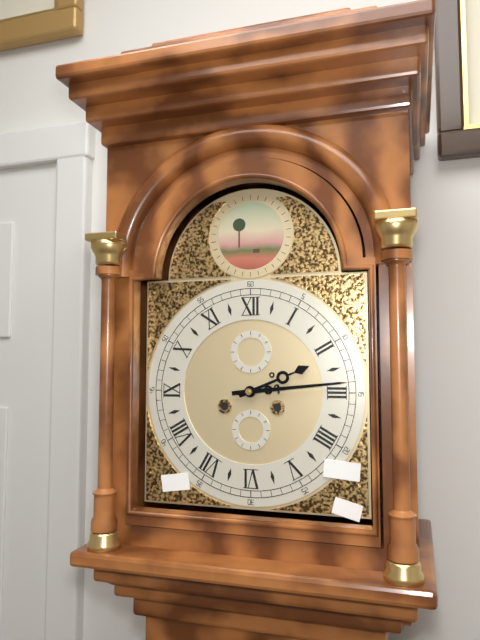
2.14
